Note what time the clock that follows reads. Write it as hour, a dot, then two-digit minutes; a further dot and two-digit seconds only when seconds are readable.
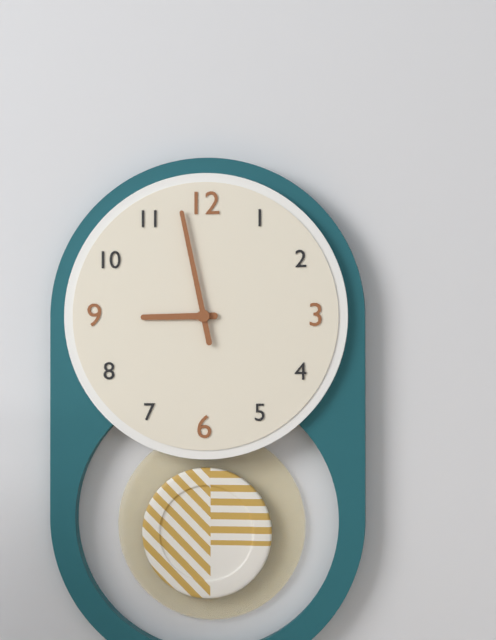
8.58
